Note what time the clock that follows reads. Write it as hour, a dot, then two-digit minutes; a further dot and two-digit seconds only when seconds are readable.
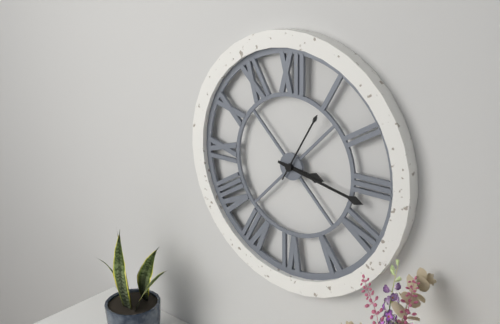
3.17.05
